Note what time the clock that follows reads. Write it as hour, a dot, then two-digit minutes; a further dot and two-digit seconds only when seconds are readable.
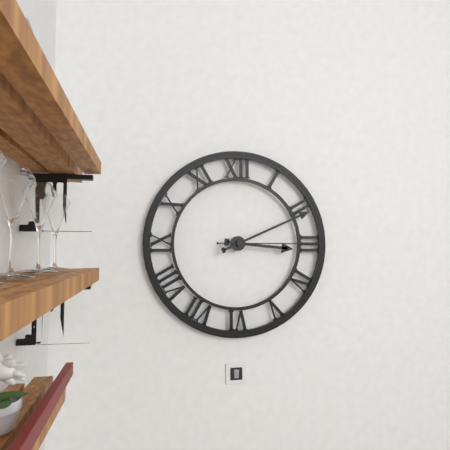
3.11.15
